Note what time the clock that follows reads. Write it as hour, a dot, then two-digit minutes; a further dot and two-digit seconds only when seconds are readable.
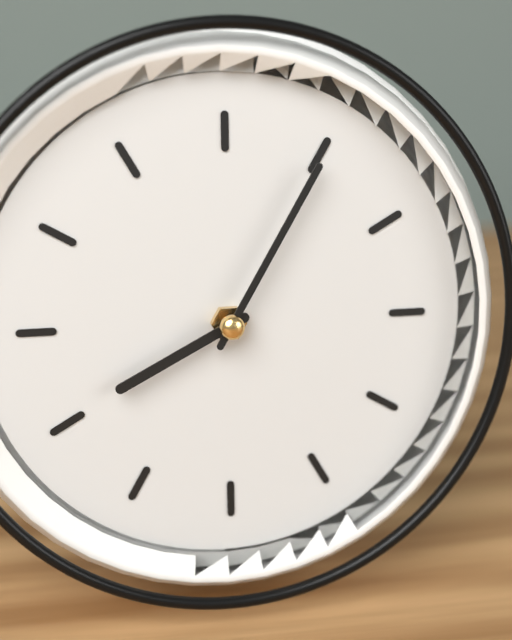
8.05
